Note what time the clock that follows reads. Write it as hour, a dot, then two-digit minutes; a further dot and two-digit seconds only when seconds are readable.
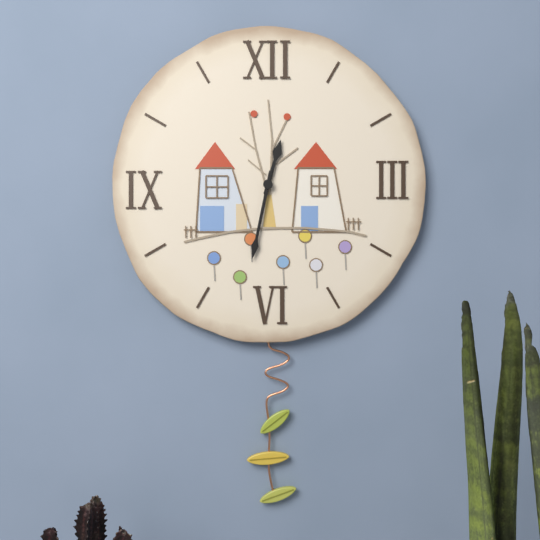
12.32
